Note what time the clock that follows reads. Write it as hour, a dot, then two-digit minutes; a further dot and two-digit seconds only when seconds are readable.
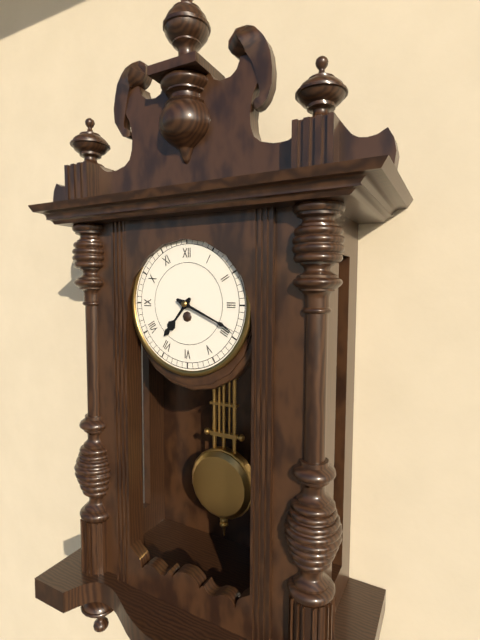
7.19
